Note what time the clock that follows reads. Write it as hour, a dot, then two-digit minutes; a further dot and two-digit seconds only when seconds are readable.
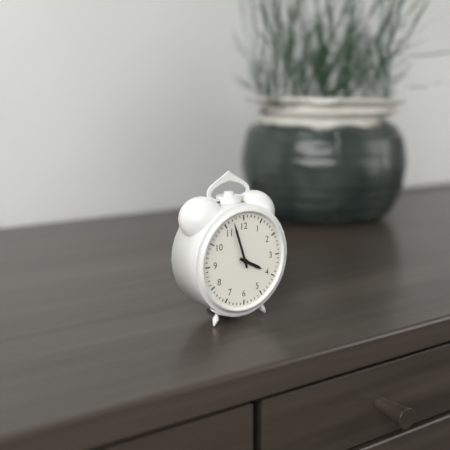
3.57
